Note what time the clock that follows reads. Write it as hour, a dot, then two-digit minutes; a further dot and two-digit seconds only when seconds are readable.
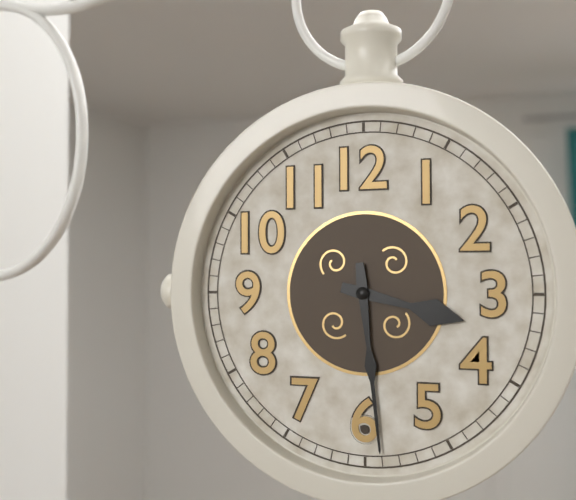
3.29
